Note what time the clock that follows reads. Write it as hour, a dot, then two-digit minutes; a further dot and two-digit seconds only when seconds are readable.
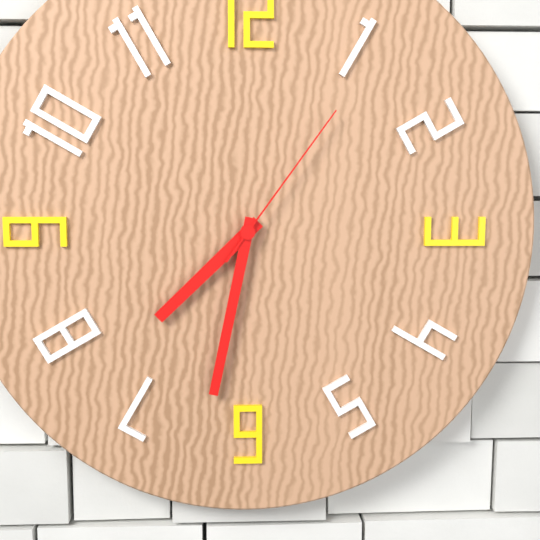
7.32.06
